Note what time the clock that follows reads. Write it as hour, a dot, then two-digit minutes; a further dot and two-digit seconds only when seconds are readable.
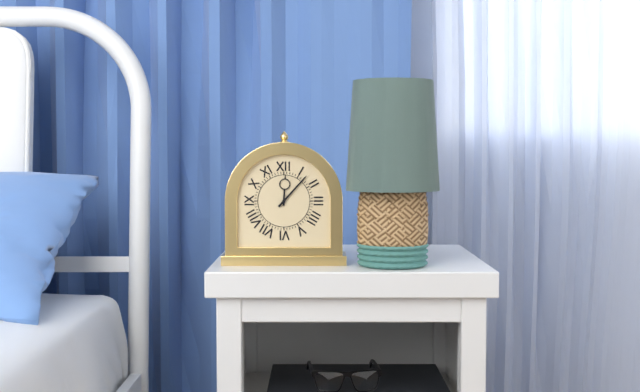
12.07
